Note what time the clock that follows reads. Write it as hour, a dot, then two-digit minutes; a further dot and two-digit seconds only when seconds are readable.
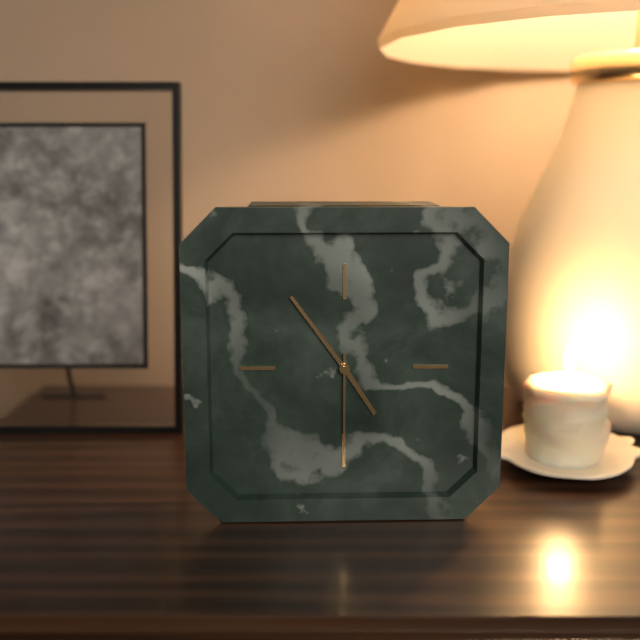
4.54.30
